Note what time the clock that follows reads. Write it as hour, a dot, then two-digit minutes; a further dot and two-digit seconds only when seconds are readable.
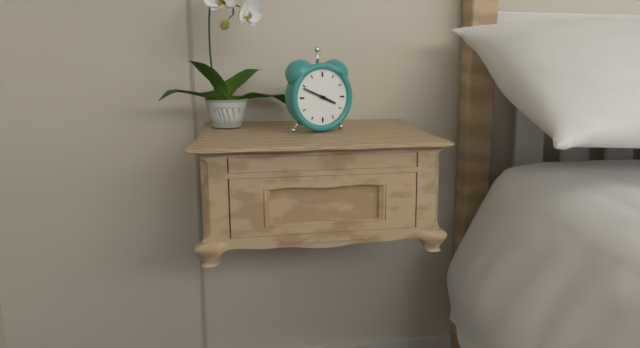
3.49
